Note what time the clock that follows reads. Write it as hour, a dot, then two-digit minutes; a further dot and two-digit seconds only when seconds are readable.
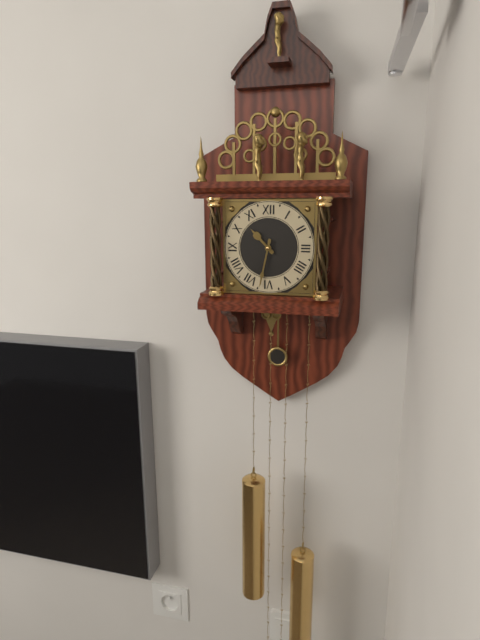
10.32
